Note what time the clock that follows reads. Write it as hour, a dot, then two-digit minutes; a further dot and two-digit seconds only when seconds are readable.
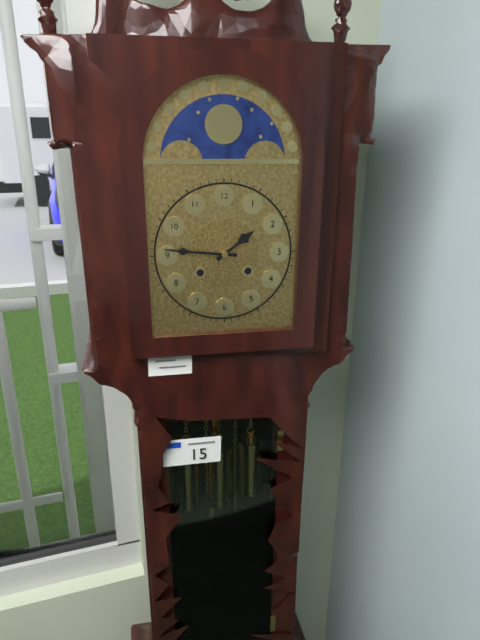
1.46
